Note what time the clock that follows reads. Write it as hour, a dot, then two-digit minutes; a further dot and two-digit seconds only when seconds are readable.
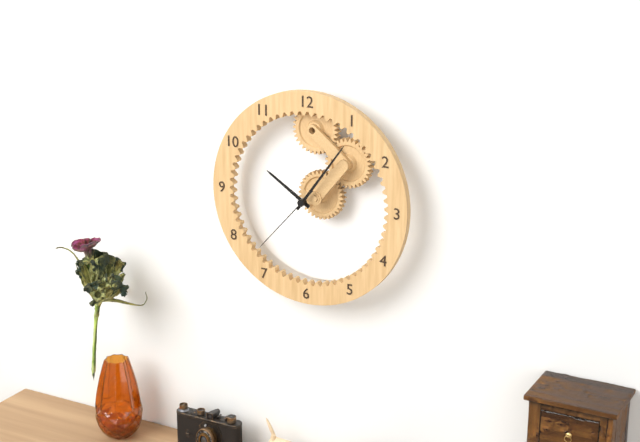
10.06.37
